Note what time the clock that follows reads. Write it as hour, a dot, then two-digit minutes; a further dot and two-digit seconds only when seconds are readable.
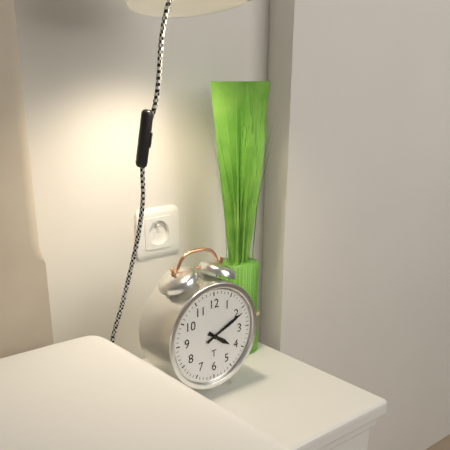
4.11
